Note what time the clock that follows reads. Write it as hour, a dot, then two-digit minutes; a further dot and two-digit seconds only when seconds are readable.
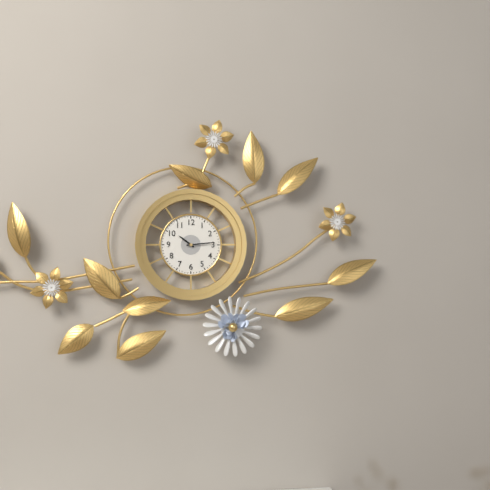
10.14
